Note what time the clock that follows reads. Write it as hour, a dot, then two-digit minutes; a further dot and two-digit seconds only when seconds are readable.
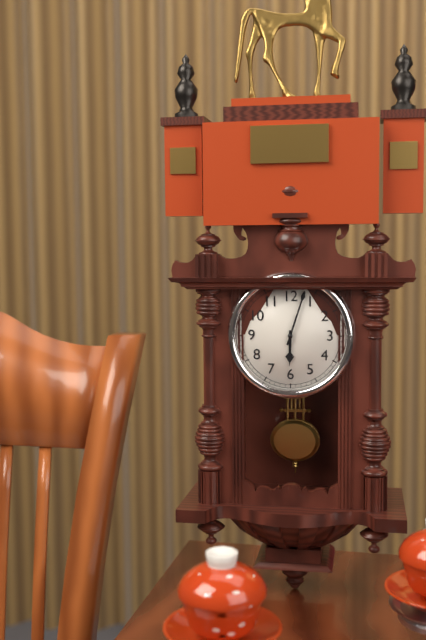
6.03
